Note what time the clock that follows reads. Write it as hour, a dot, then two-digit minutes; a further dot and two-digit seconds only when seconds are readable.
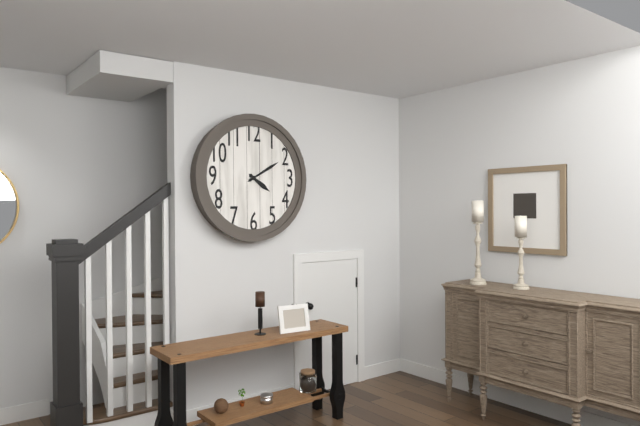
4.10
